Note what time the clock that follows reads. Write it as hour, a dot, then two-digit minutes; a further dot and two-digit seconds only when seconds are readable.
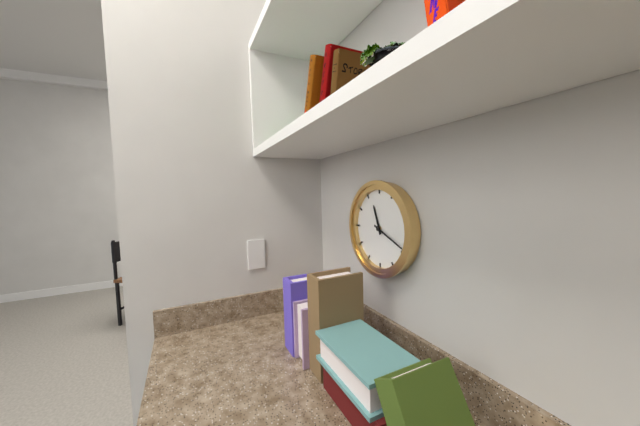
11.19
